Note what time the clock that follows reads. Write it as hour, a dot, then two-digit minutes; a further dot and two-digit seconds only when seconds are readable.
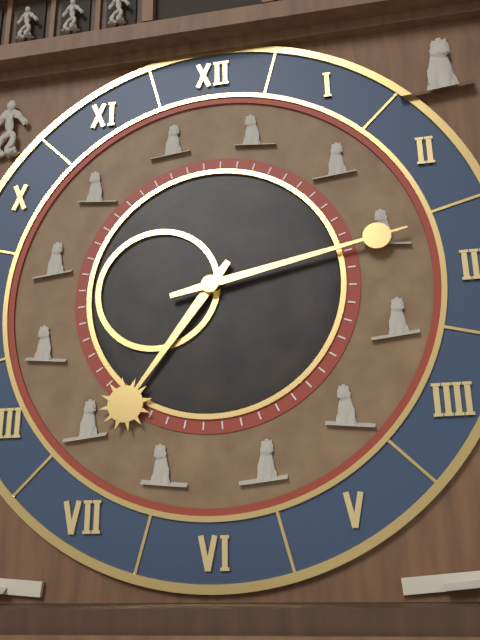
7.13
